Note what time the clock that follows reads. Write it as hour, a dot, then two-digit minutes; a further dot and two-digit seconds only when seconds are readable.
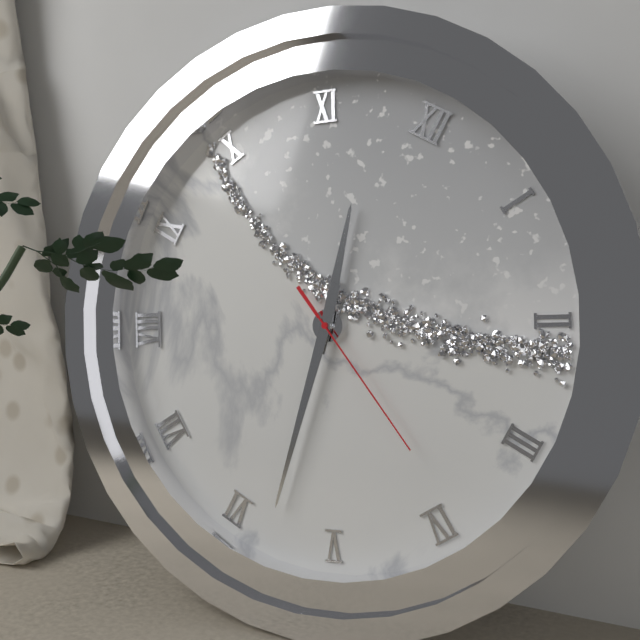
11.28.19
